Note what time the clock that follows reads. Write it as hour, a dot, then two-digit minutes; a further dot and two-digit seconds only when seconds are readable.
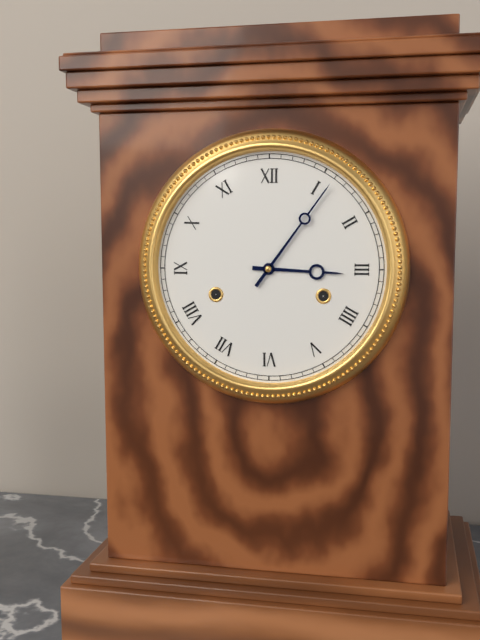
3.06
